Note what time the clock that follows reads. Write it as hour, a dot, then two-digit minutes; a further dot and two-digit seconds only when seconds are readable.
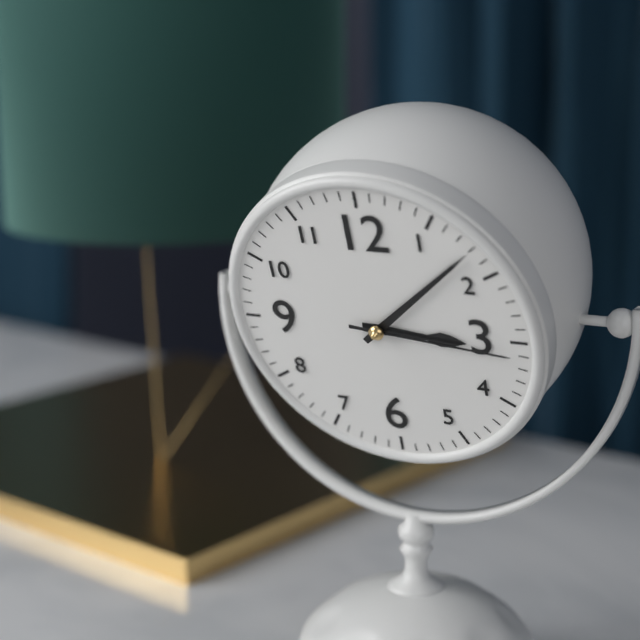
3.08.16
